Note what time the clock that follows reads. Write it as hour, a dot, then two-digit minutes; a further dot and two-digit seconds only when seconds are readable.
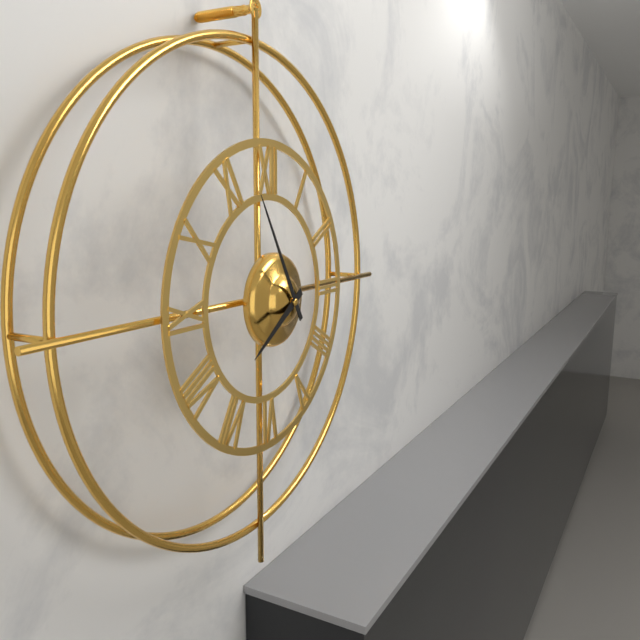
7.55
